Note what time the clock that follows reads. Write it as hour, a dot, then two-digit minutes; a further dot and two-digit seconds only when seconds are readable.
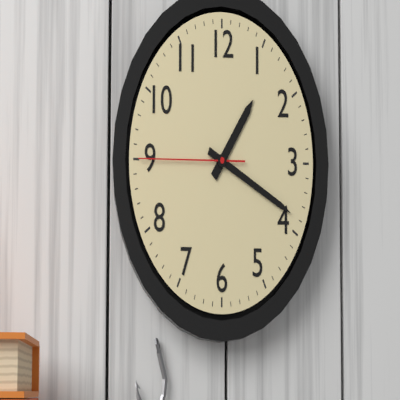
1.19.45
